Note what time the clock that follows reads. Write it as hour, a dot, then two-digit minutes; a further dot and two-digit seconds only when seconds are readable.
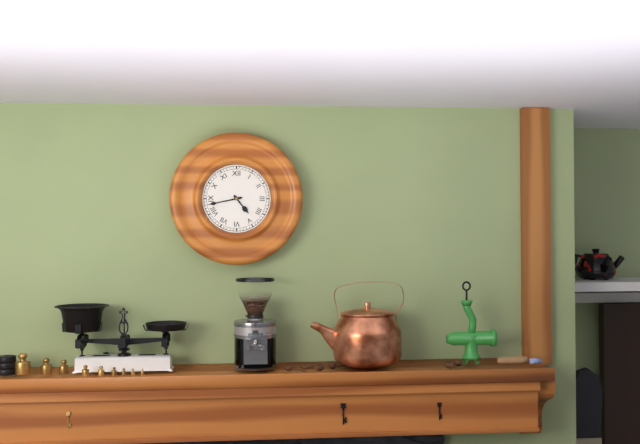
4.43
